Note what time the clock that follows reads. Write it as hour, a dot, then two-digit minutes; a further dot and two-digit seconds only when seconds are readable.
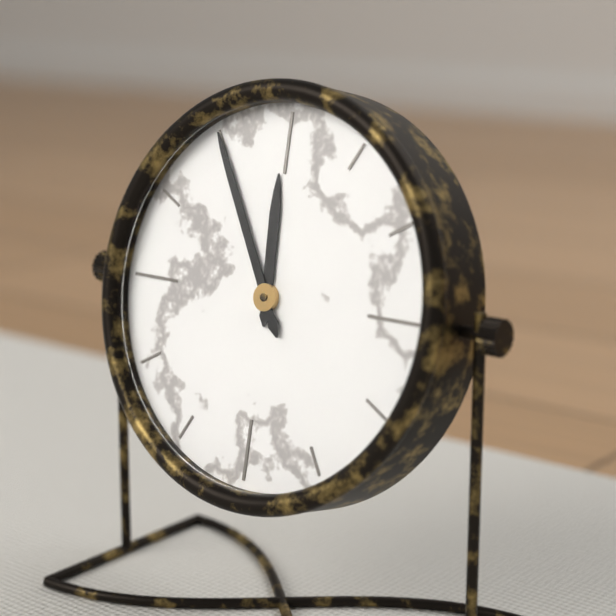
11.55
